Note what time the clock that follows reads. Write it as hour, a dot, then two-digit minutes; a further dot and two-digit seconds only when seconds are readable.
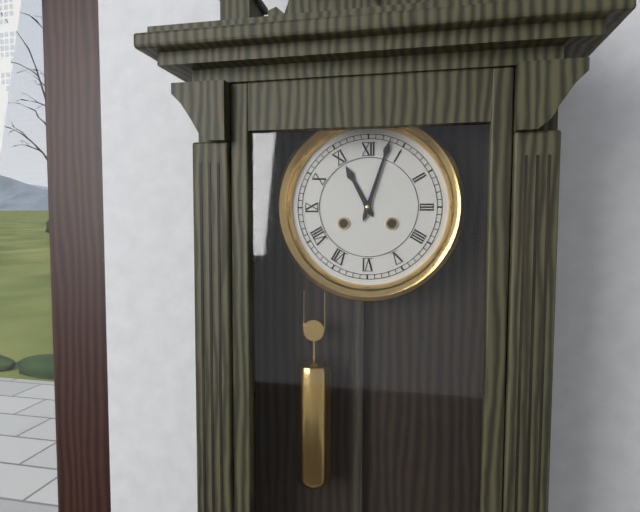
11.03
